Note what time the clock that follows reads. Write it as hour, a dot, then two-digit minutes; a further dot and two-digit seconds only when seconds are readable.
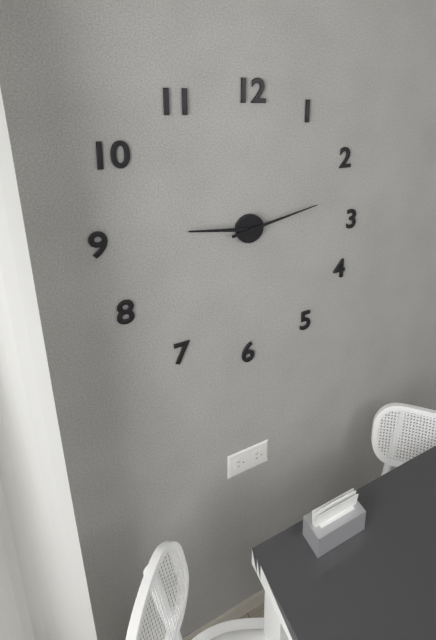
9.13
